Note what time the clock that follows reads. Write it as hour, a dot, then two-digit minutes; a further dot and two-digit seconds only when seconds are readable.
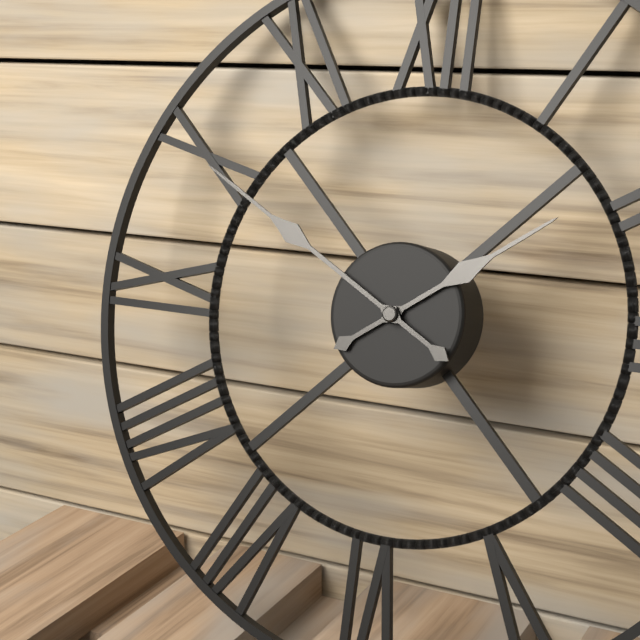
1.50
